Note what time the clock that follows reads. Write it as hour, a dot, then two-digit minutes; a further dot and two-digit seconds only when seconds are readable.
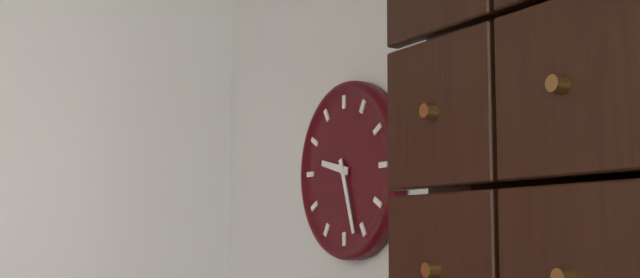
9.27
